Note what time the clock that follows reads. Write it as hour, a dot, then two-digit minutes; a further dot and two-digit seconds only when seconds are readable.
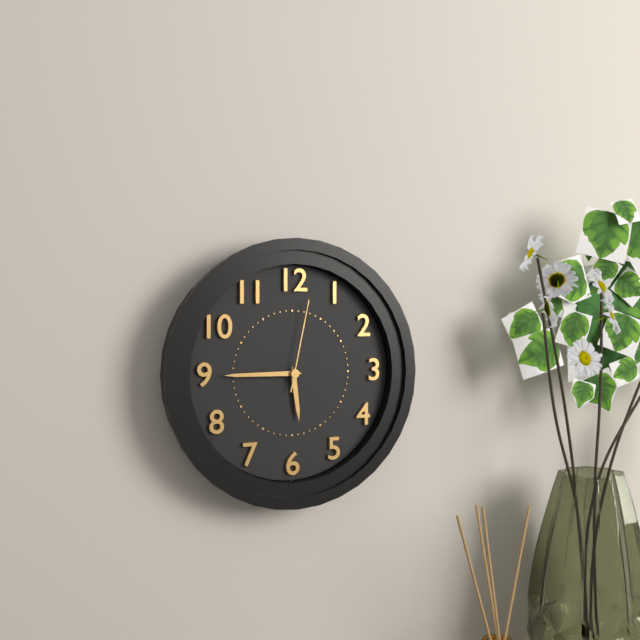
5.45.02
